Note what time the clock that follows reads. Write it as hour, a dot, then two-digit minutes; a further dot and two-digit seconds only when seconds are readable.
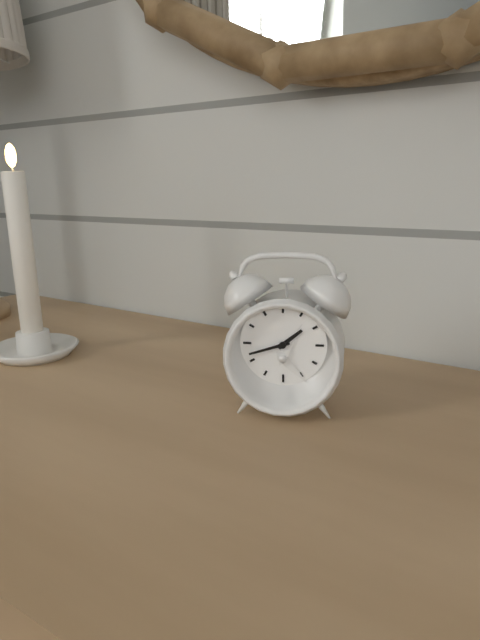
1.42
